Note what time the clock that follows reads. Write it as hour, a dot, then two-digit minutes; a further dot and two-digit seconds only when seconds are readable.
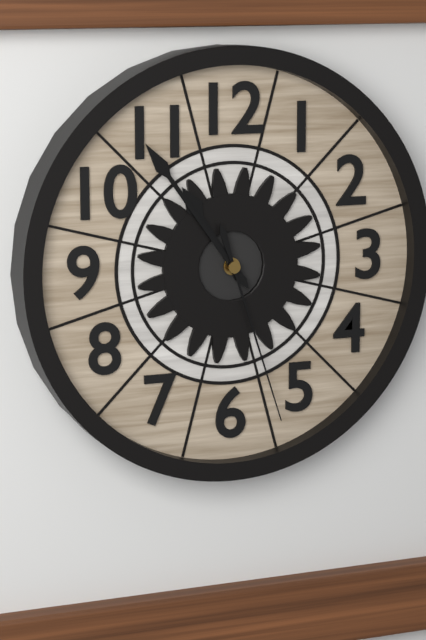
10.54.27
